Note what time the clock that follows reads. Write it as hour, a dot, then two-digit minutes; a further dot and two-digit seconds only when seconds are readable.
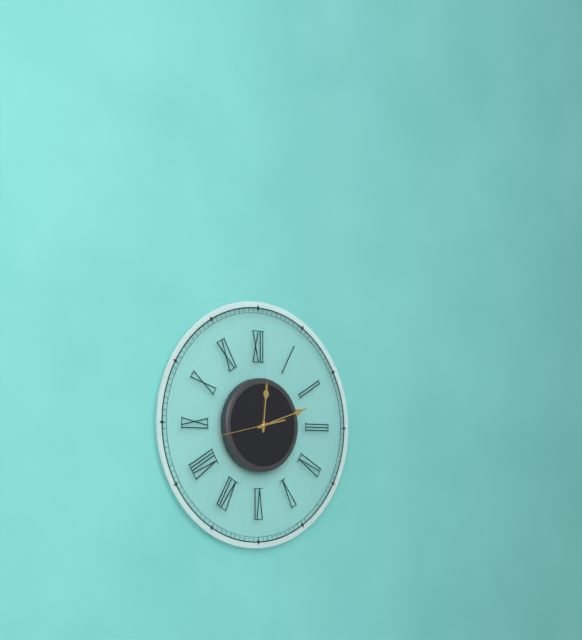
12.12
